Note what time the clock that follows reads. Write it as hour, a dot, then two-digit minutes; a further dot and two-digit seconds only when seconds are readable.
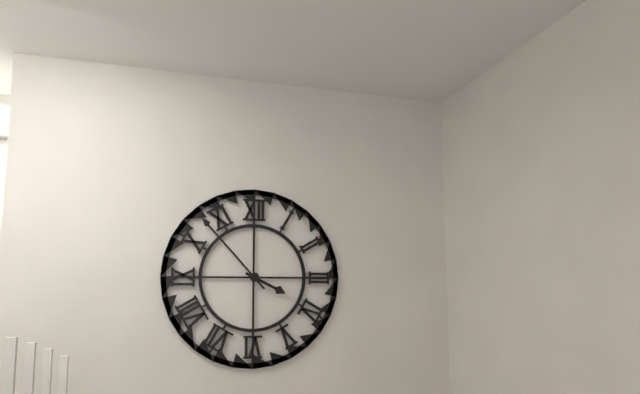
3.53
